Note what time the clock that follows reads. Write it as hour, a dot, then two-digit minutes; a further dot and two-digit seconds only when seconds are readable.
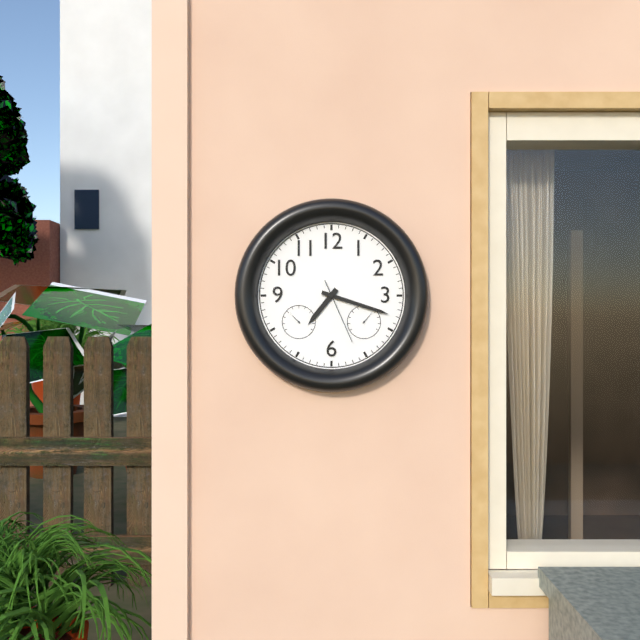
7.18.26
